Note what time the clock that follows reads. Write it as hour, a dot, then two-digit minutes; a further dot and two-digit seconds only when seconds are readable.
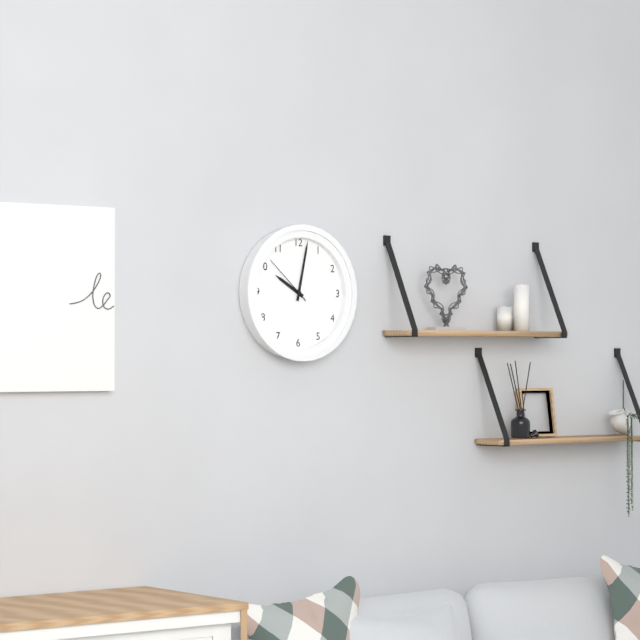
10.02.52
